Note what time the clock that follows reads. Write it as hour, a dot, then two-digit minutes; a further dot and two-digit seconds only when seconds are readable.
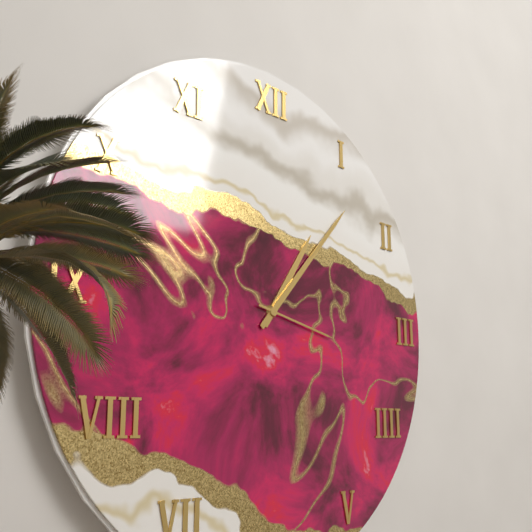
1.07.17
